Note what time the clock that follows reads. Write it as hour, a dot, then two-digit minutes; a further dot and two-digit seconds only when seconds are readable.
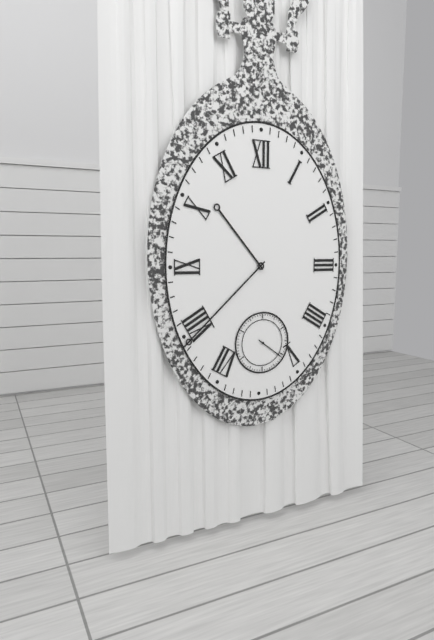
10.38
